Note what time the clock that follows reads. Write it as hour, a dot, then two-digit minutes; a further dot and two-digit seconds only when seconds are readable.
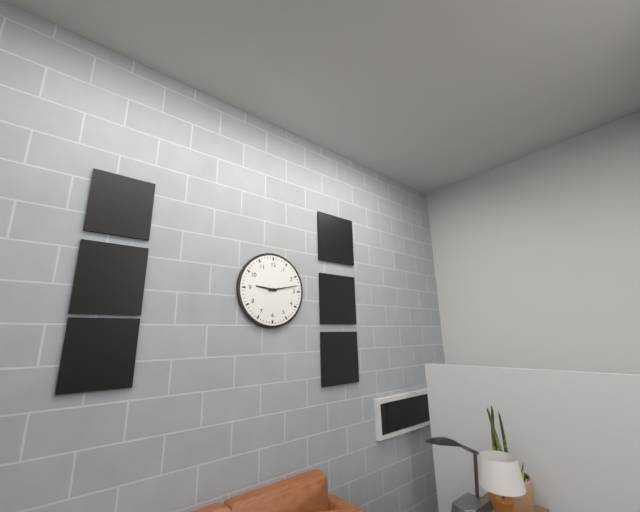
9.13
